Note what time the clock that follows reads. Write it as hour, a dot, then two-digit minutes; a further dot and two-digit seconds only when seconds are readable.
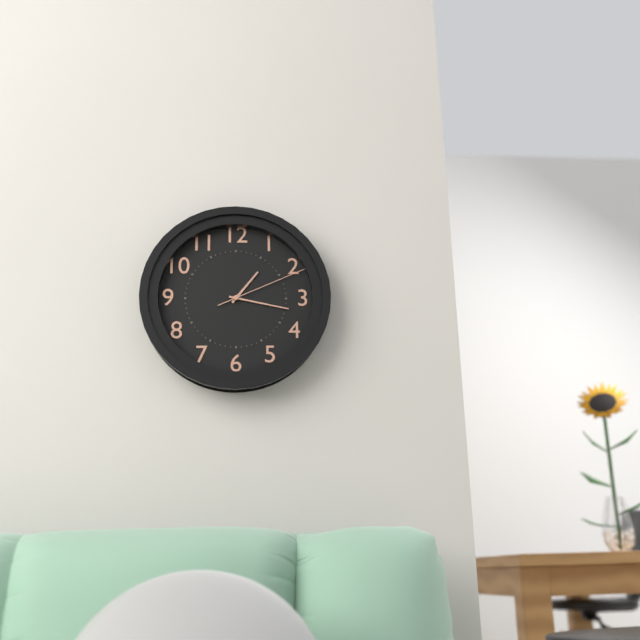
1.17.11
